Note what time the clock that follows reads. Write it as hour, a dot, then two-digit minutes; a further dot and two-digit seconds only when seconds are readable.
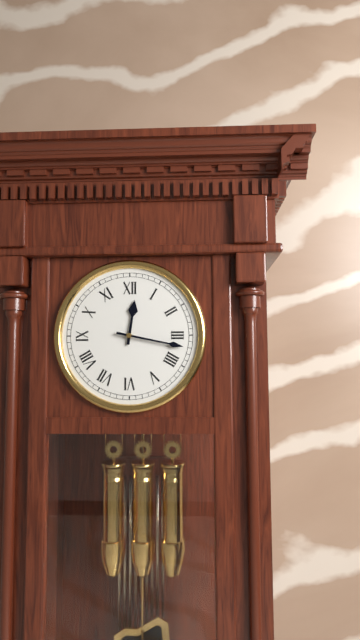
12.17
